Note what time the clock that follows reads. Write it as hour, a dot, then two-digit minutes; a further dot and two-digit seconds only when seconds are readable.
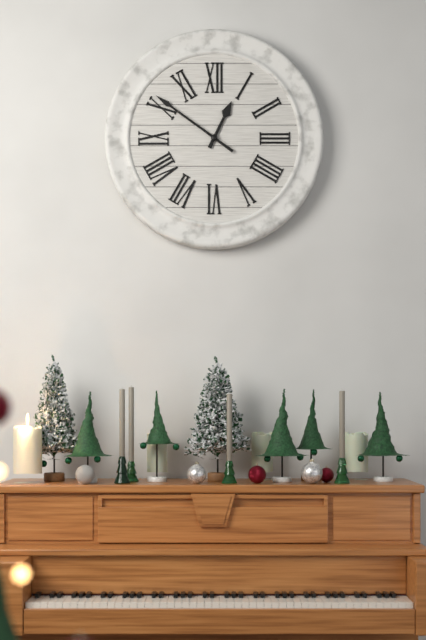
12.51
